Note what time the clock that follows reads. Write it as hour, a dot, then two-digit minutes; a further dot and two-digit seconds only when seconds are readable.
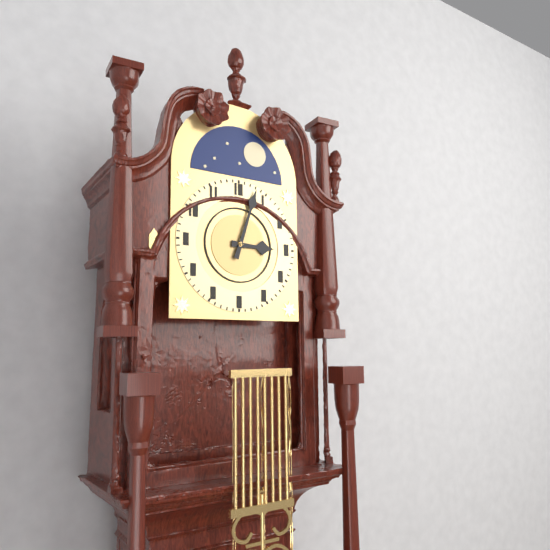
3.03
